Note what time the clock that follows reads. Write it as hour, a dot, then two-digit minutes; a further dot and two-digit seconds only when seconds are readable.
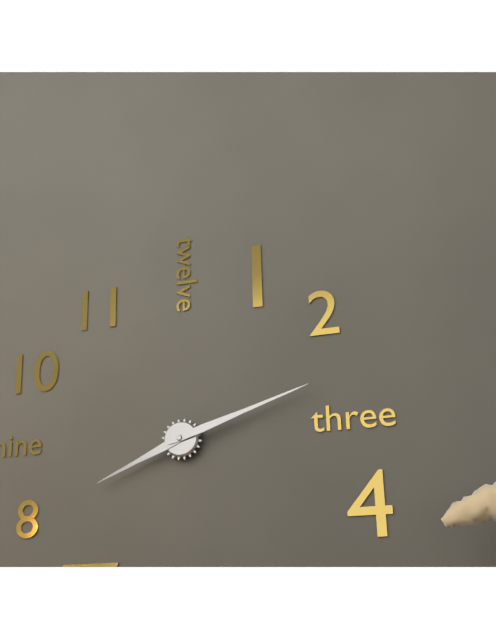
8.12
